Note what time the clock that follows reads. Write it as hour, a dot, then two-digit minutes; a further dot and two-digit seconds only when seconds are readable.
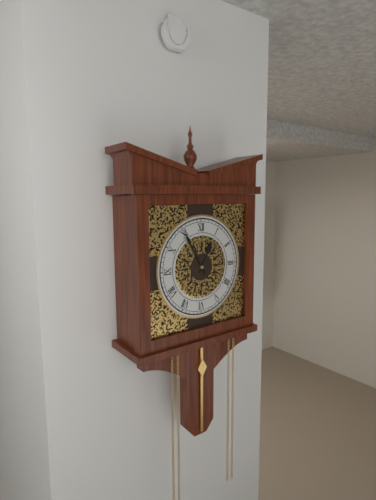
12.55
